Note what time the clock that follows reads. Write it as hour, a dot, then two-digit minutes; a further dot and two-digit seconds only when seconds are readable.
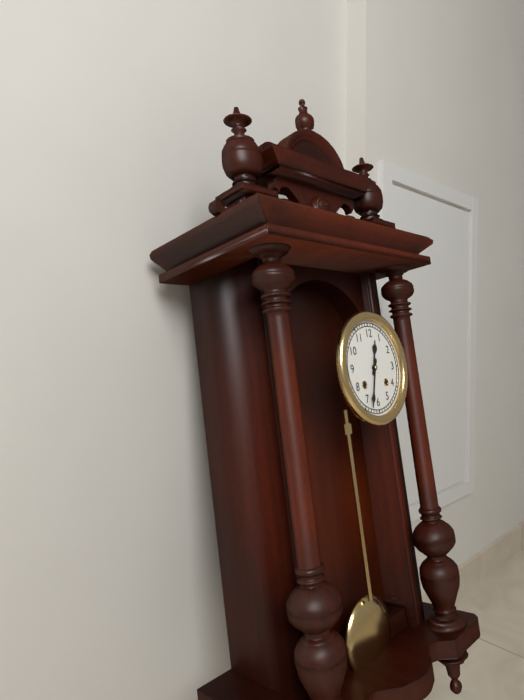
12.33
